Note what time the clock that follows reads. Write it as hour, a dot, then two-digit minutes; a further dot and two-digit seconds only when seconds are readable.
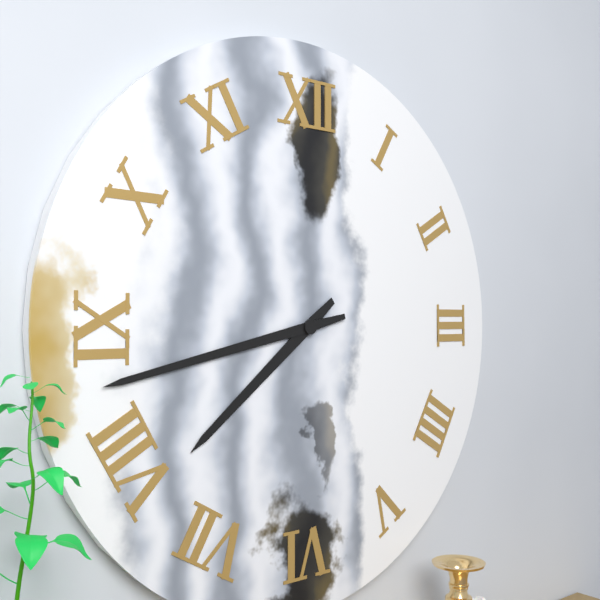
7.43
